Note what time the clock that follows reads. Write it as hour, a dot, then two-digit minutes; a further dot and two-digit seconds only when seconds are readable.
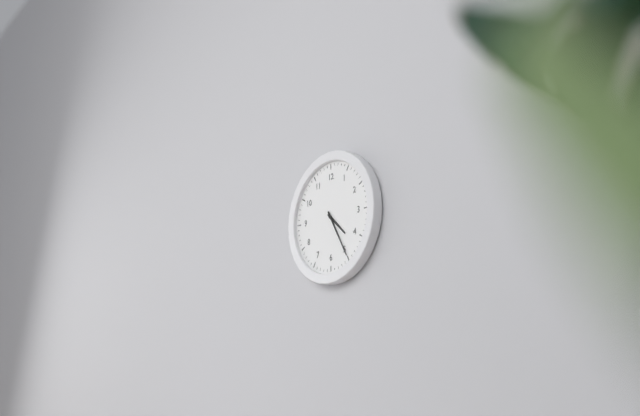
4.25
